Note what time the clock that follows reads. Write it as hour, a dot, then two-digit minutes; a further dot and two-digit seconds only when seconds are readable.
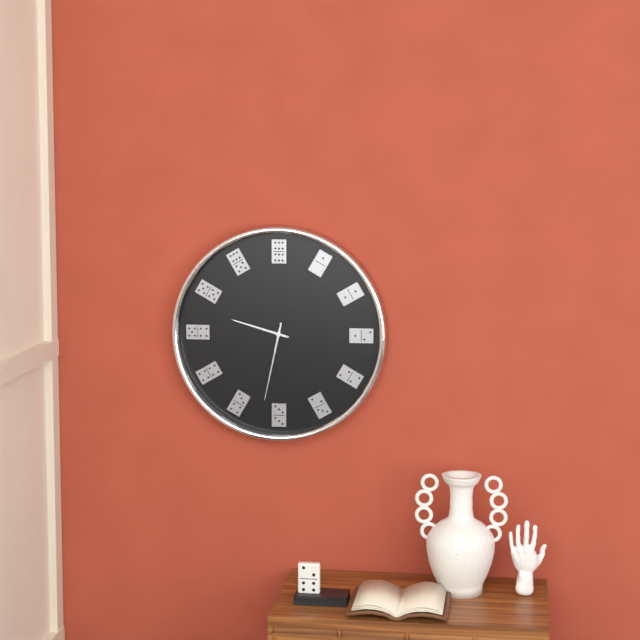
9.32
